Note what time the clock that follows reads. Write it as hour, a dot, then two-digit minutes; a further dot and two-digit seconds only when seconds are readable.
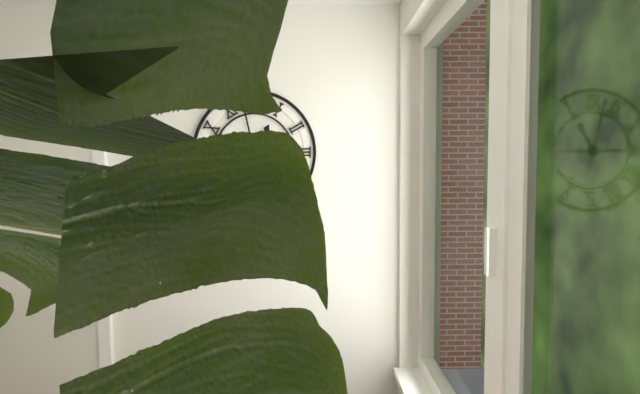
12.58
